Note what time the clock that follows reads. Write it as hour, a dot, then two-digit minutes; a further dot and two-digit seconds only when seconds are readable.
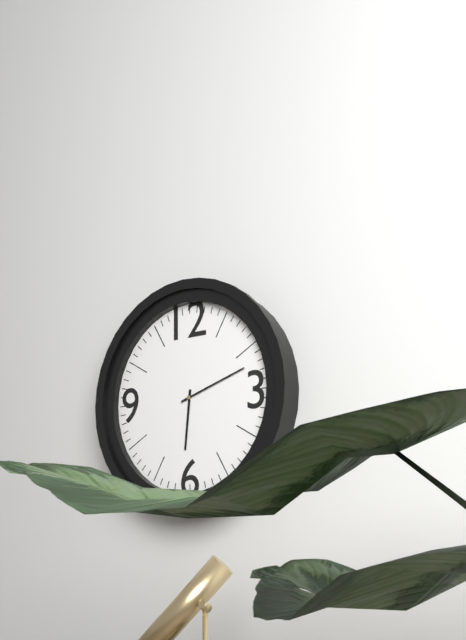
6.12
